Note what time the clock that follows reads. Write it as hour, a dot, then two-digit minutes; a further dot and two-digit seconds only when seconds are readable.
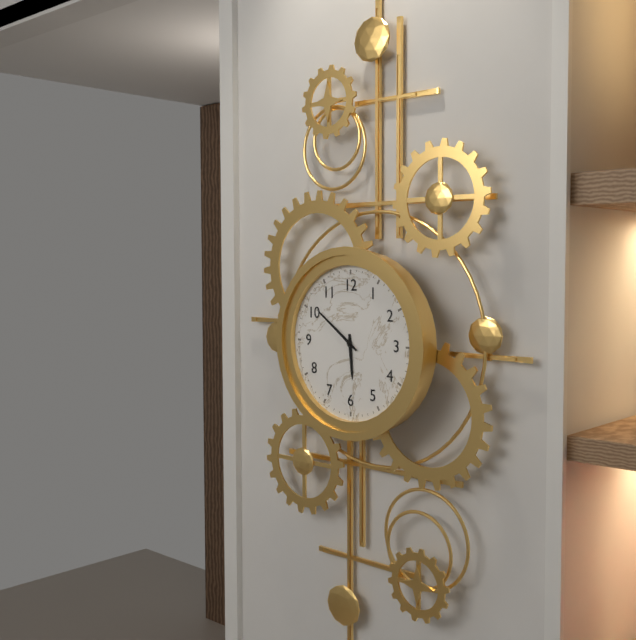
5.51
